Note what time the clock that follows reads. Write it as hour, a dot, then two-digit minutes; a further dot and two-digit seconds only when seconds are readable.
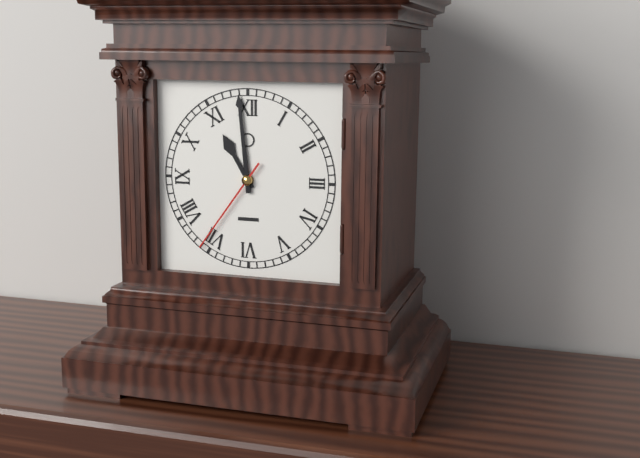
10.59.36
